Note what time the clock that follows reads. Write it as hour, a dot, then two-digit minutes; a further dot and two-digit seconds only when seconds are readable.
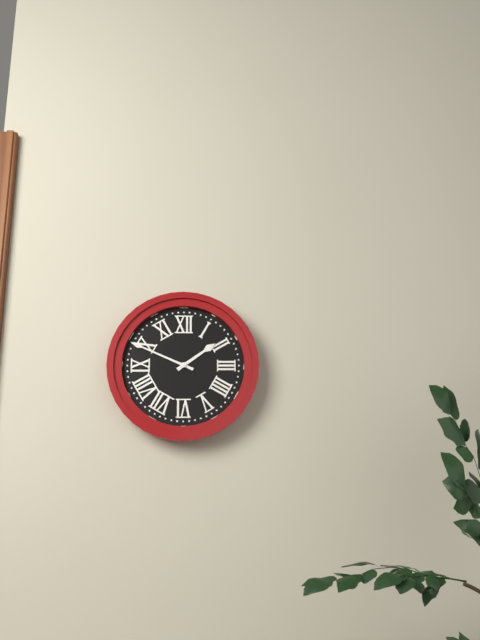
1.49
